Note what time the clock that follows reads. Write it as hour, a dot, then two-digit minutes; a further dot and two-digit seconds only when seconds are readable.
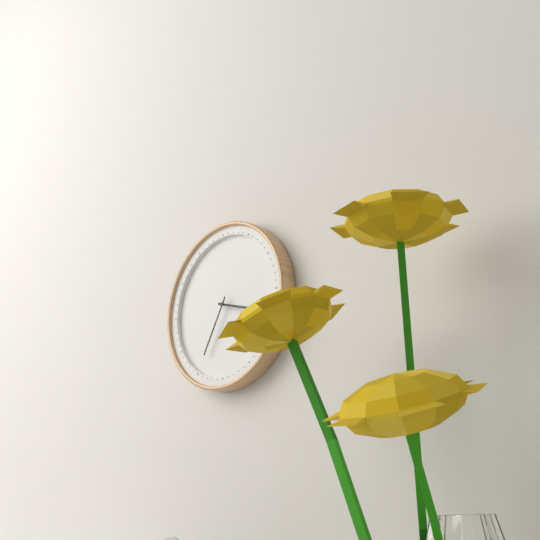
3.35
